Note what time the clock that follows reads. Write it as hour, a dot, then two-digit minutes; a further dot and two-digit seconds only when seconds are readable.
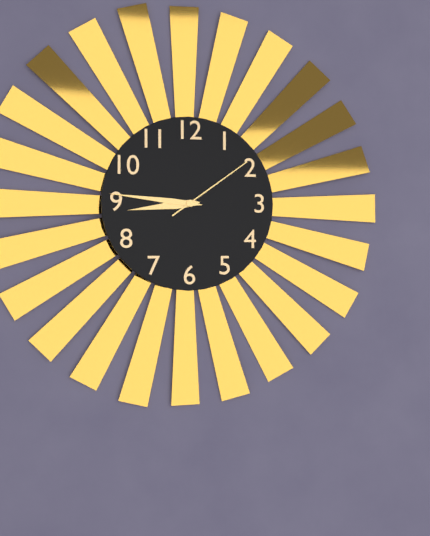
8.46.09
